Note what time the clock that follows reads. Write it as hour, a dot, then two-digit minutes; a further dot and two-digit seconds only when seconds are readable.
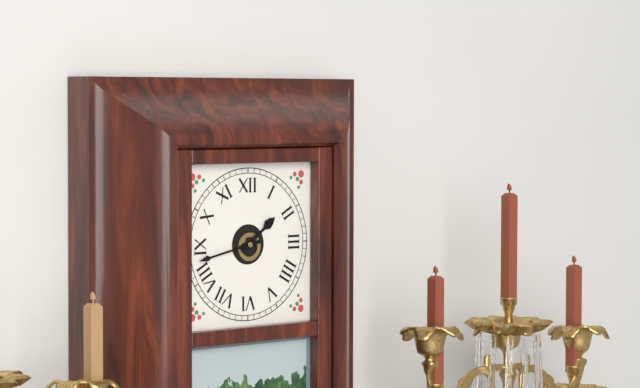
1.43
